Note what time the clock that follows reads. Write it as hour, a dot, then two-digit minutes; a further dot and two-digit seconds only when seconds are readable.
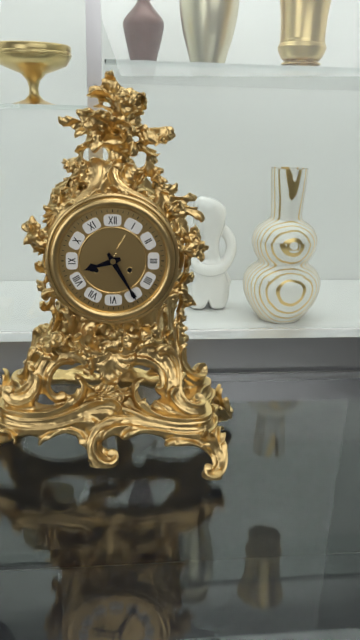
8.25
